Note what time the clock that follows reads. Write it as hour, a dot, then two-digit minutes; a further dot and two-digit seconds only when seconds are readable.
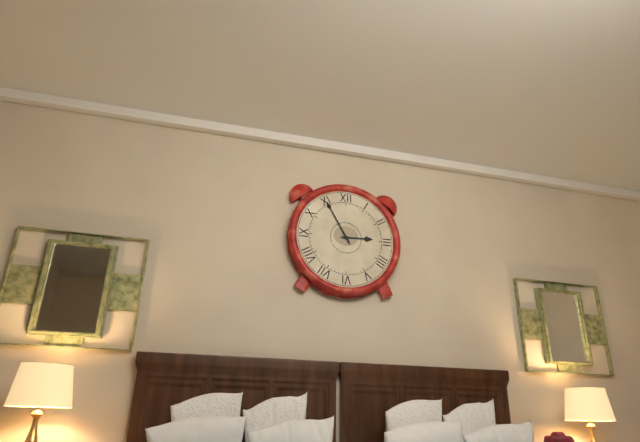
2.55
